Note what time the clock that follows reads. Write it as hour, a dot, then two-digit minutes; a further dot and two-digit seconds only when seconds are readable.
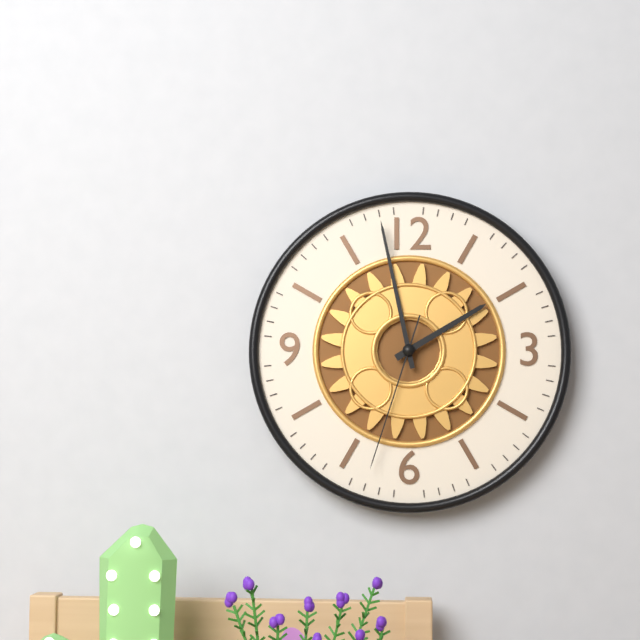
1.58.33
